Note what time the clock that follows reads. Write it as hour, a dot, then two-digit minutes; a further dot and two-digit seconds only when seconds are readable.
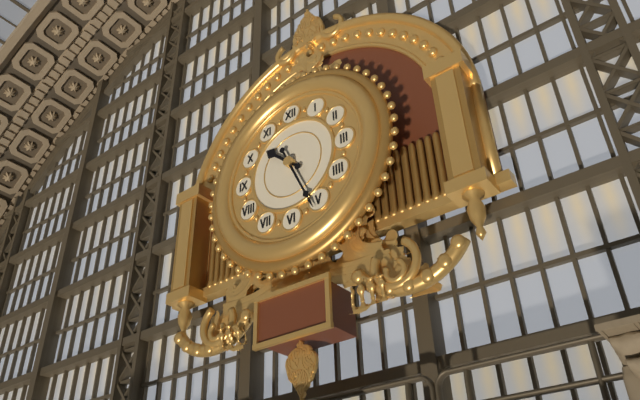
10.26
